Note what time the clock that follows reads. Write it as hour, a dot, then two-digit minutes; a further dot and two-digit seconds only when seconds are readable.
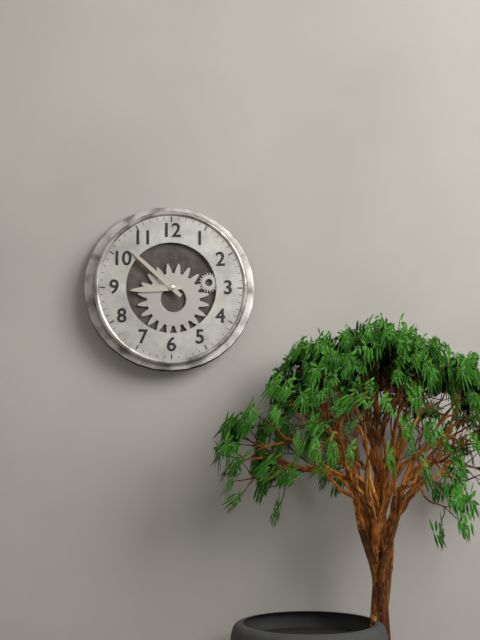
8.52
